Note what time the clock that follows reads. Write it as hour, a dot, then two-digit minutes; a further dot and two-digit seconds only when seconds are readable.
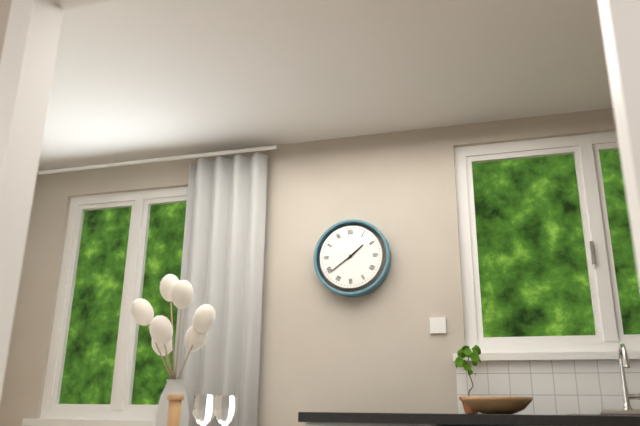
1.39
